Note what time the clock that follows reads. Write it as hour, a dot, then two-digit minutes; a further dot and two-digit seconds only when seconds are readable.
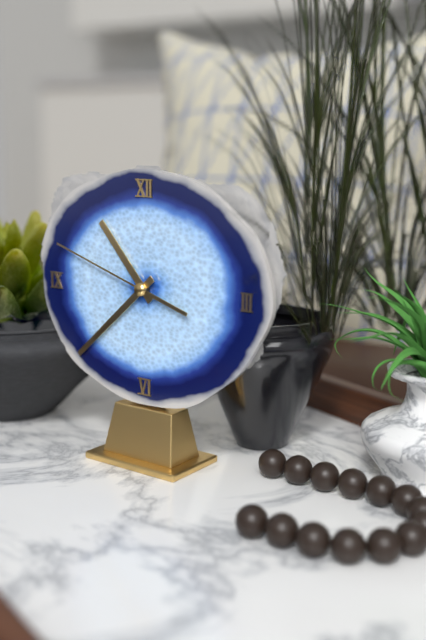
10.38.48
